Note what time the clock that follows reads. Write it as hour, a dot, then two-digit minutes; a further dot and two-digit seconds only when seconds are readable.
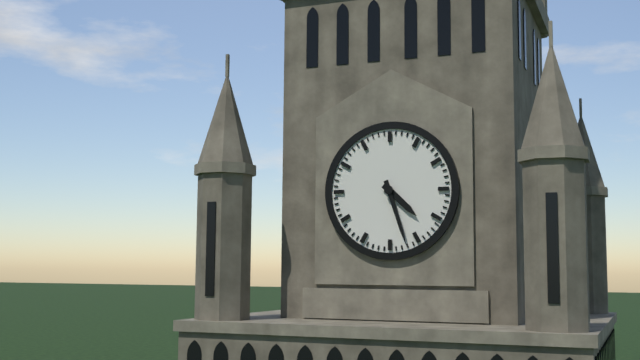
4.27
